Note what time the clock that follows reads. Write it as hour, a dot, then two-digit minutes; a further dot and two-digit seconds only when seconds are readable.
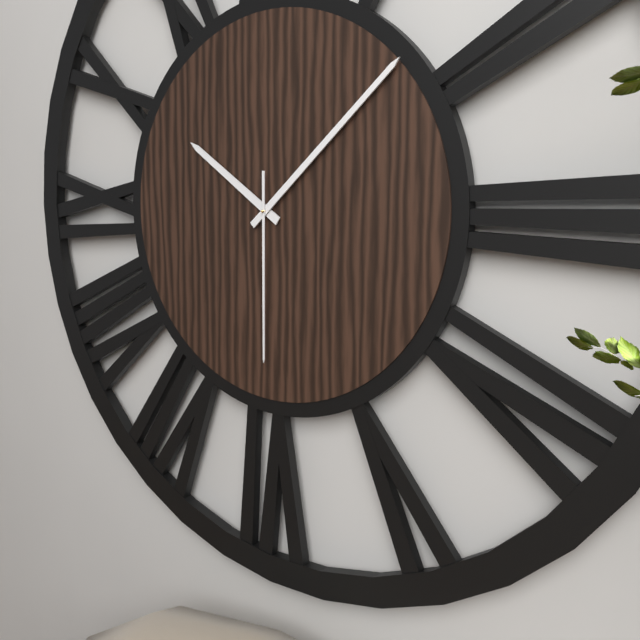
10.08.30
